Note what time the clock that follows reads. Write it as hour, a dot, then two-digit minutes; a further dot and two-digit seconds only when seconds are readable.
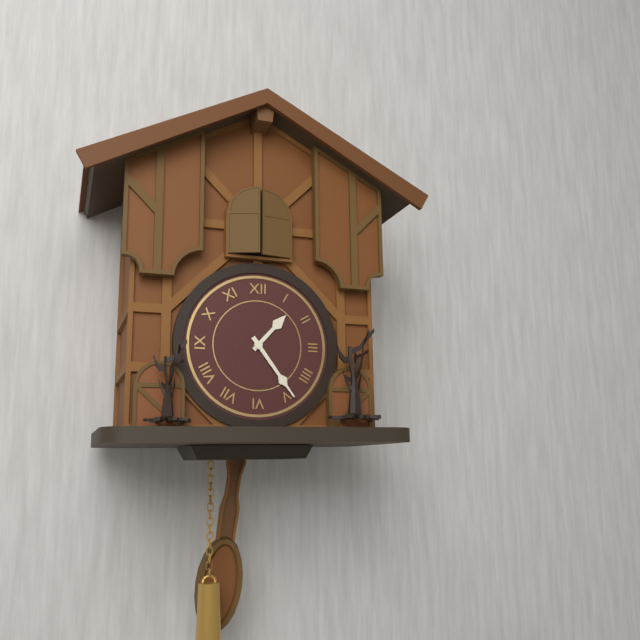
1.24
